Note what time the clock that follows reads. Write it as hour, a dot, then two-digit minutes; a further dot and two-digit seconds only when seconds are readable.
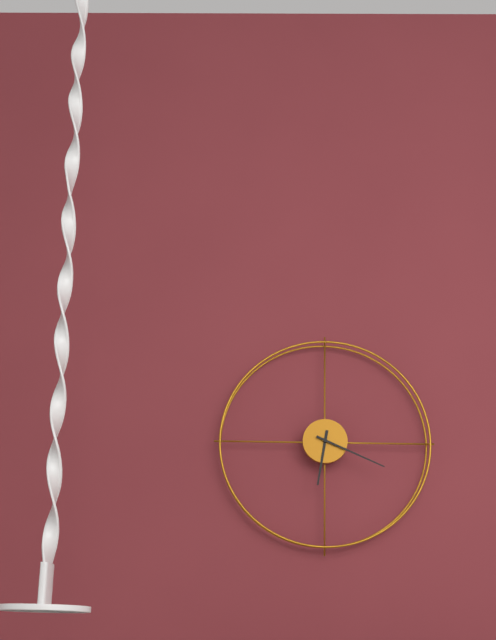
6.19
